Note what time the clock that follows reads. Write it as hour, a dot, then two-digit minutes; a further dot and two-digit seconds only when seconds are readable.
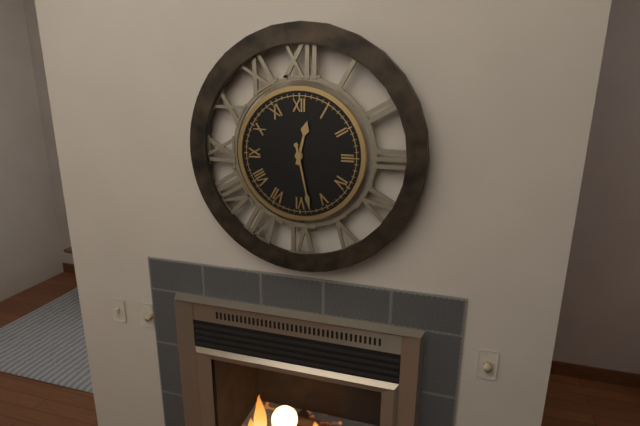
12.28
